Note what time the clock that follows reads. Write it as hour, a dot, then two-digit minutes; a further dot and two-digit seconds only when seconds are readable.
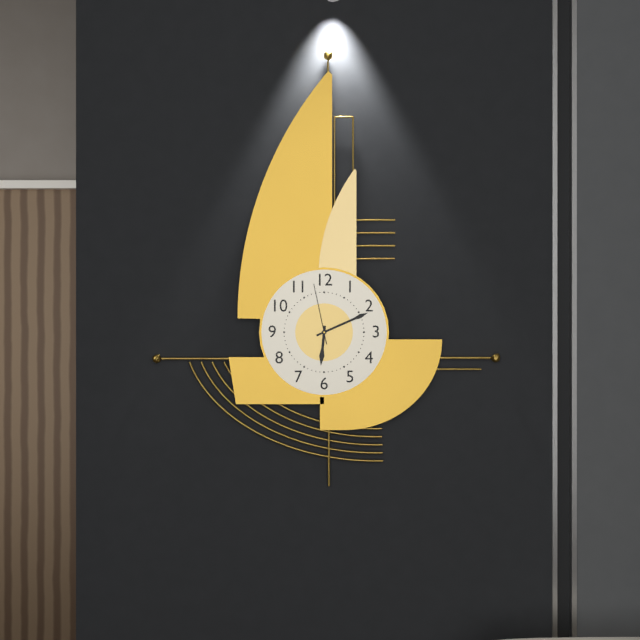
6.11.58
